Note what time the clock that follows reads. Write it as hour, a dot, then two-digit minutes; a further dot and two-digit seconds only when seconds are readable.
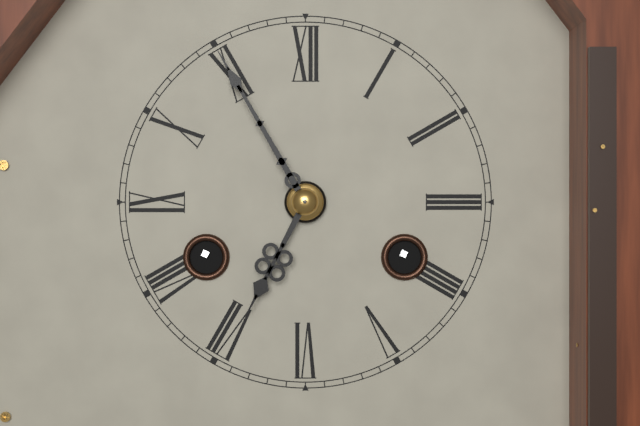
6.55
